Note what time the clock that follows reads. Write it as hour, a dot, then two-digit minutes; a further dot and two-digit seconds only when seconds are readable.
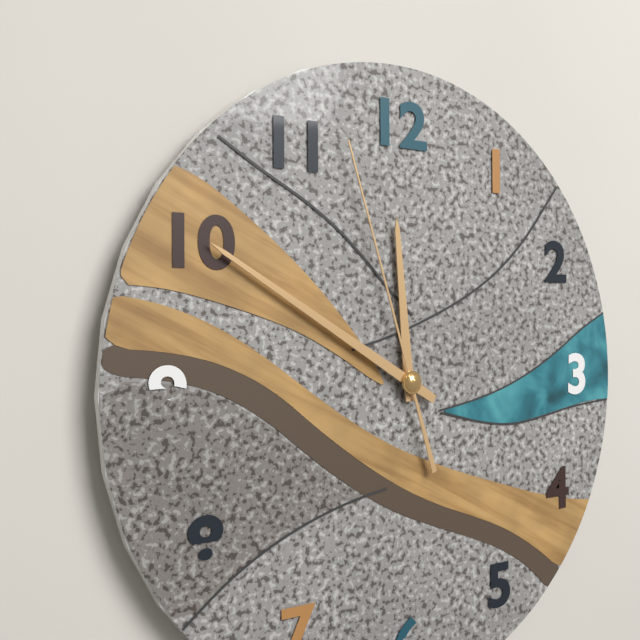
11.50.57
